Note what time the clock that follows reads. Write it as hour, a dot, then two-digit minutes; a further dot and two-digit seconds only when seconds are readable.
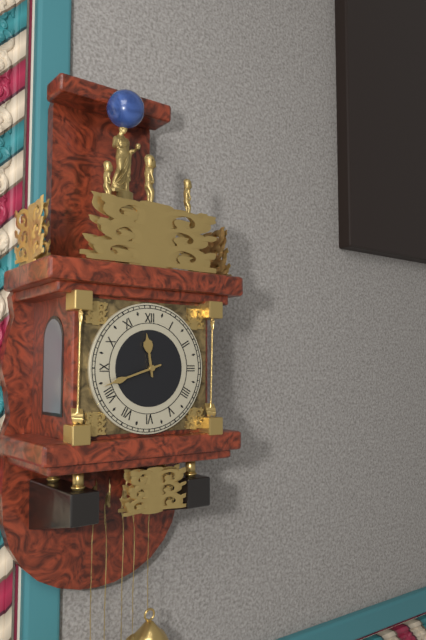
11.42
